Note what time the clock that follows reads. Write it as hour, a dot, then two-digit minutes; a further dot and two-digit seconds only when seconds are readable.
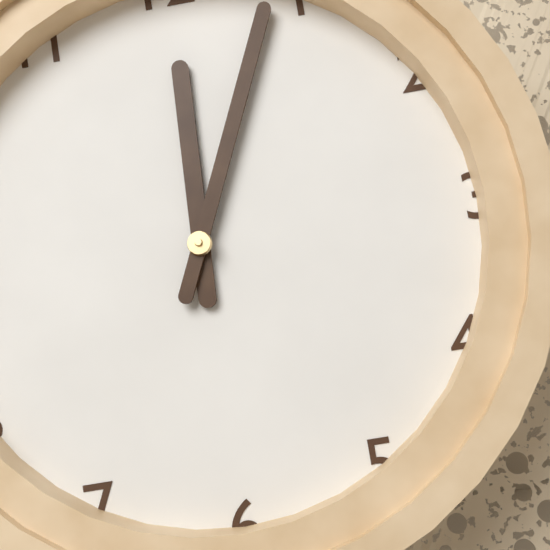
12.04
